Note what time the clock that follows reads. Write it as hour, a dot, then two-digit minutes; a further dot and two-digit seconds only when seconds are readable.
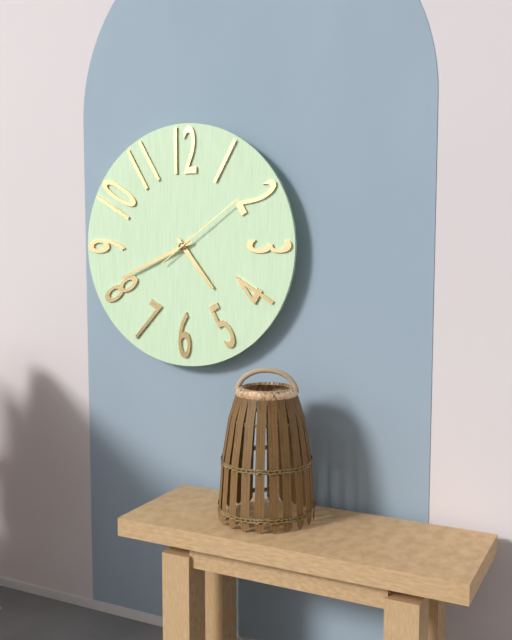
4.41.09
